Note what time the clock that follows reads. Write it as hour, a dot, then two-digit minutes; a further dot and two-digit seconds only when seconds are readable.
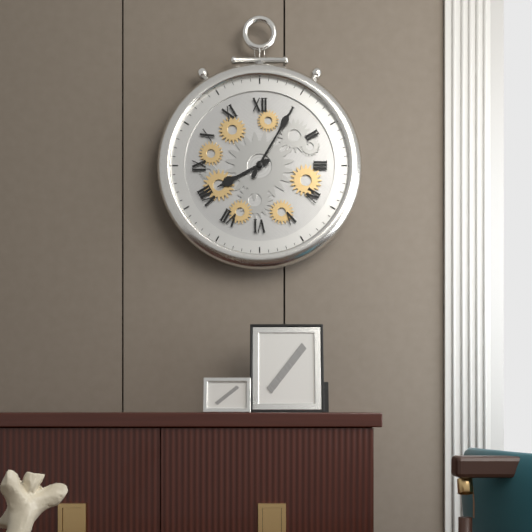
8.05
